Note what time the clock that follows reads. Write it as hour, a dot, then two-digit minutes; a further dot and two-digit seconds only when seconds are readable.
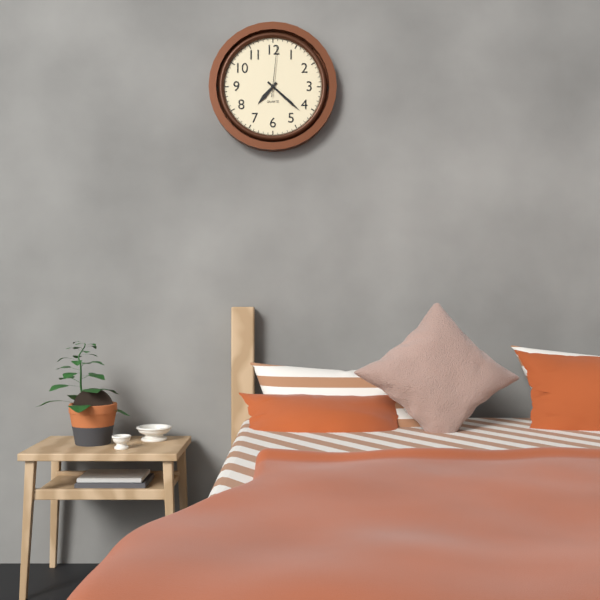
7.22.01
